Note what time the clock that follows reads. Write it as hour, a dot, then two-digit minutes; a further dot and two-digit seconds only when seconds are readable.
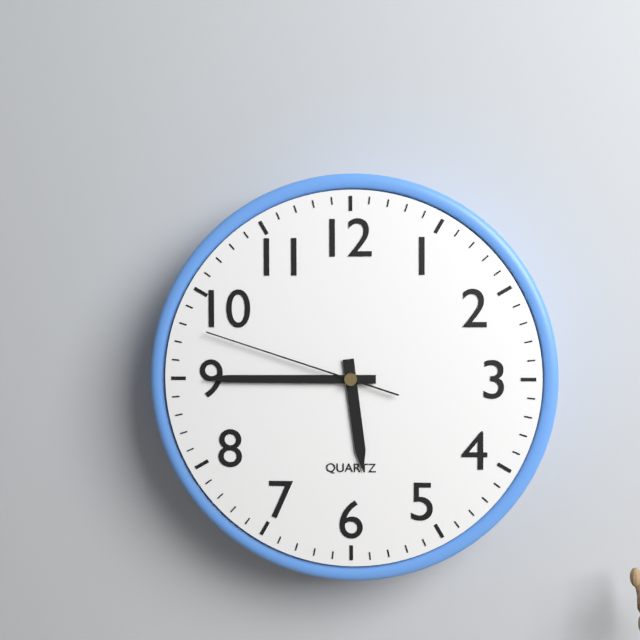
5.45.48
